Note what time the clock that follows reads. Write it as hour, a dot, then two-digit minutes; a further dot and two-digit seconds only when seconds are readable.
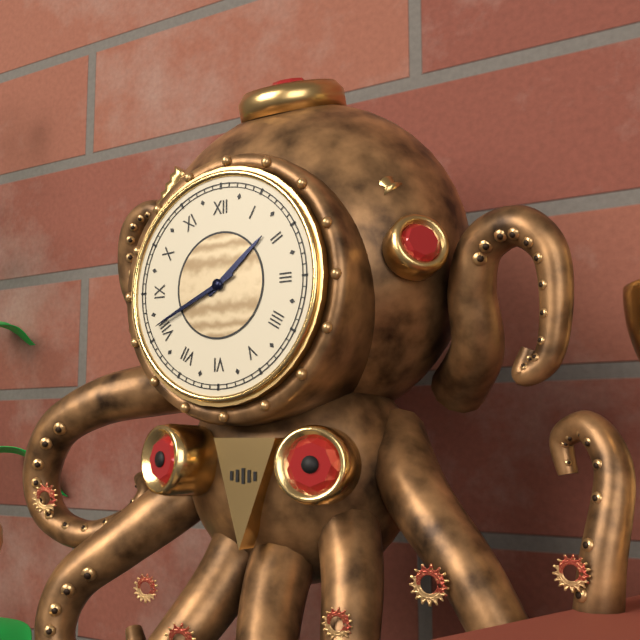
1.41
